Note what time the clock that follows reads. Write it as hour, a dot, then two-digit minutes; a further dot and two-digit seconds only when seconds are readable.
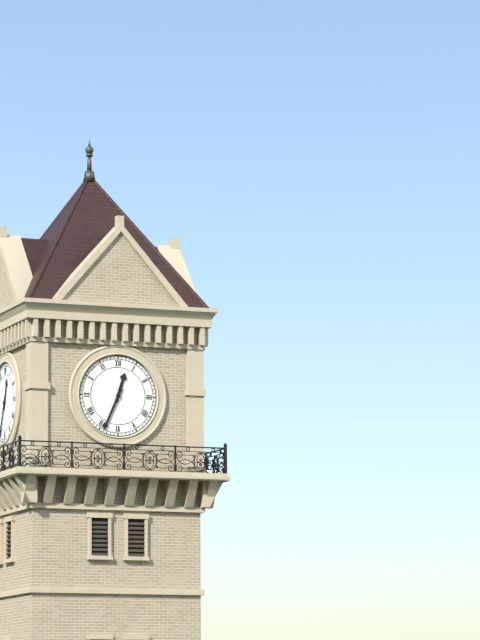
12.34
